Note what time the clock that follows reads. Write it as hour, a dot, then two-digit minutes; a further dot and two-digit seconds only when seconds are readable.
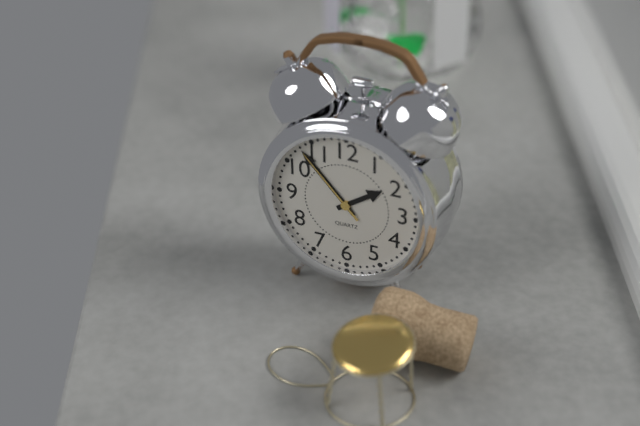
1.53.53
